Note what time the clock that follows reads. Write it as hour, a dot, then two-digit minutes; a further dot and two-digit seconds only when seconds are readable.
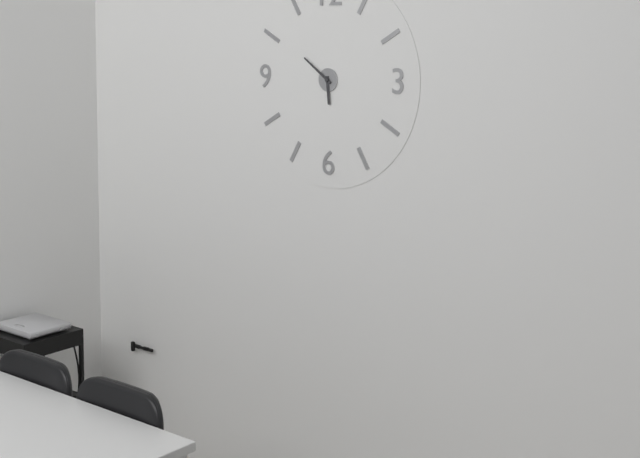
5.51
